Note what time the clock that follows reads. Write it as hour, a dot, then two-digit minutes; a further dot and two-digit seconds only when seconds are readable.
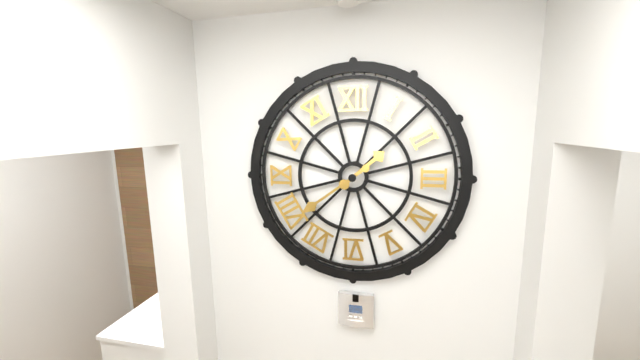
1.39
